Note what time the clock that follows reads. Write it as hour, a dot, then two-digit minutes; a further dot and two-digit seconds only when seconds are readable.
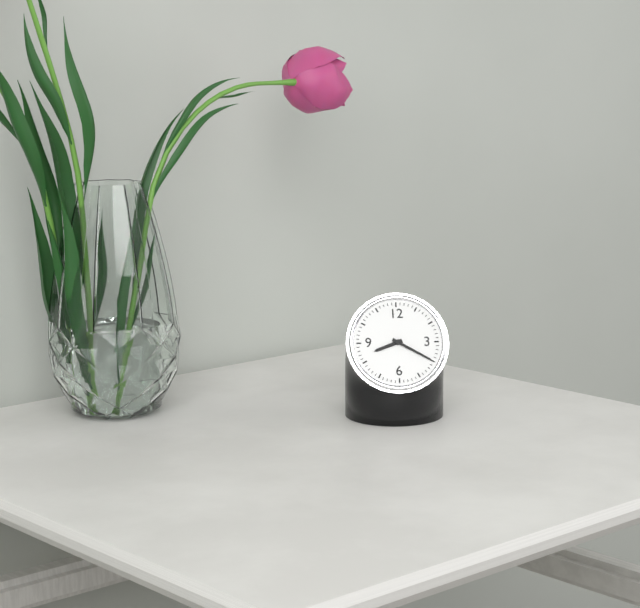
8.20
